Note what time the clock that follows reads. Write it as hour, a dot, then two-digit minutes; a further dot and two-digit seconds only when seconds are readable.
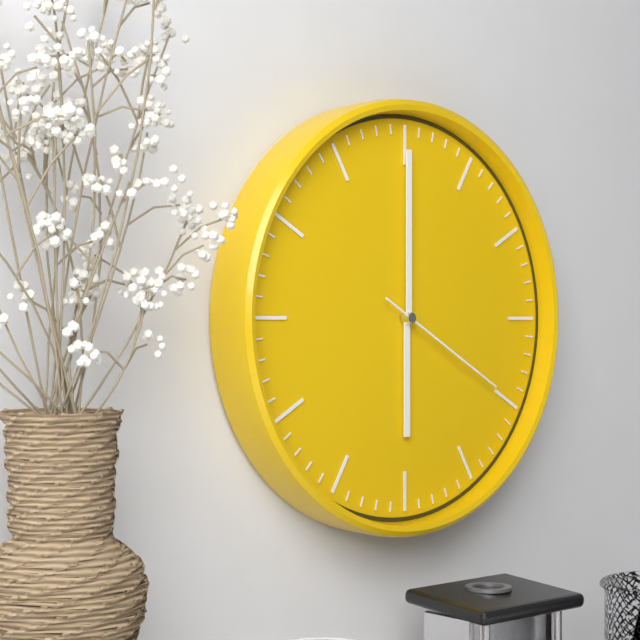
6.00.20
